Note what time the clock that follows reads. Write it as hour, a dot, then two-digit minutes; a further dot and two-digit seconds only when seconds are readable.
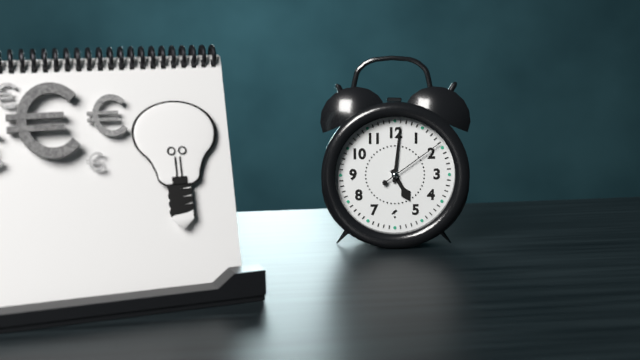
5.01.09
